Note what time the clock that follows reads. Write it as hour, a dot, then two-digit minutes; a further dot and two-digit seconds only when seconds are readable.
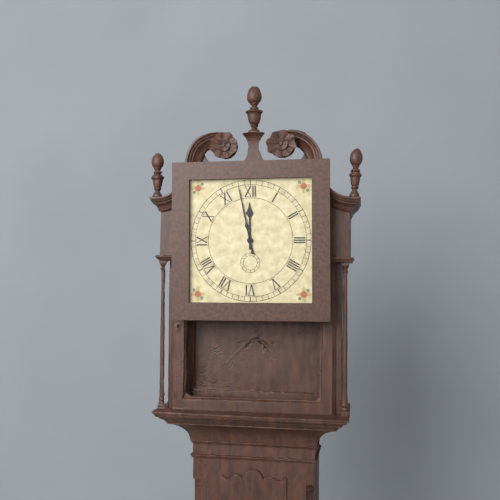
11.58
